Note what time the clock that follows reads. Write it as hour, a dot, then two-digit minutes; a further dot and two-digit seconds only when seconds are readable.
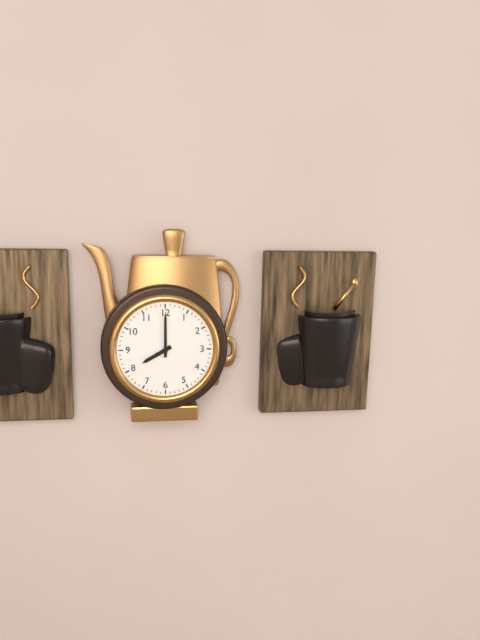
8.00
